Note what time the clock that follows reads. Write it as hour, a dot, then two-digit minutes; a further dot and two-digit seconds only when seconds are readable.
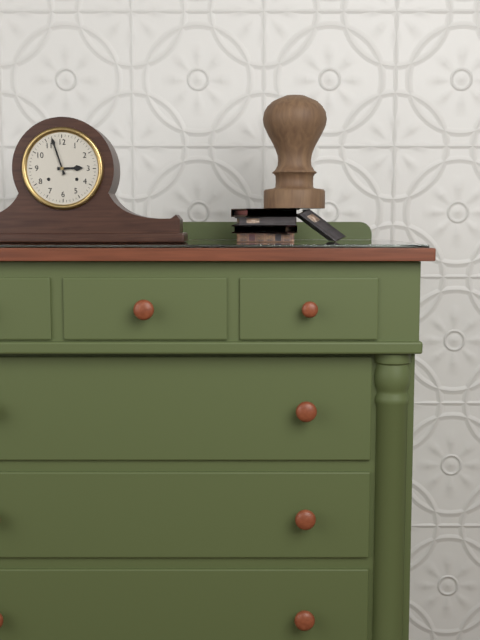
2.57
